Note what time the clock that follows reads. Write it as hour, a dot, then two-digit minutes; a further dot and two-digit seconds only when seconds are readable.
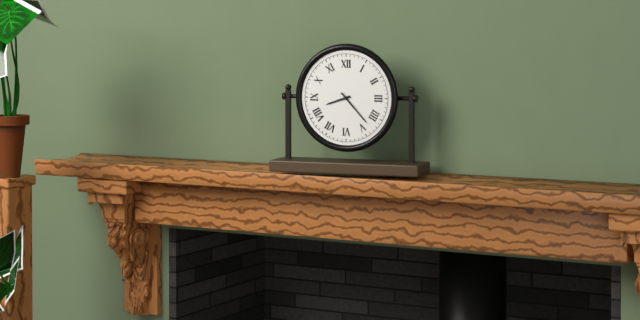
8.23
